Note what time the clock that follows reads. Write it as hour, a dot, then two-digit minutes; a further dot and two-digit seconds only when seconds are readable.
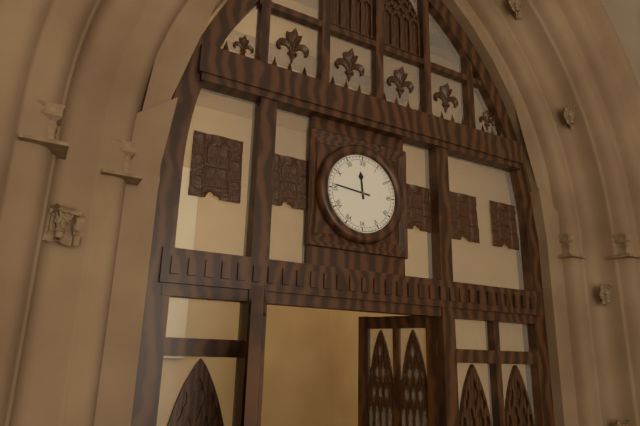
11.46
